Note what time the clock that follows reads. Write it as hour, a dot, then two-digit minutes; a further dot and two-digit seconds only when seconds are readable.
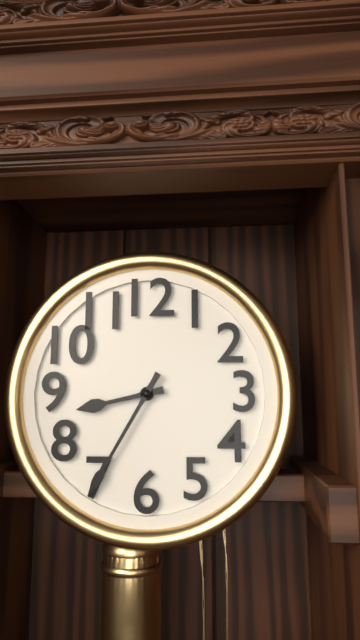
8.35
